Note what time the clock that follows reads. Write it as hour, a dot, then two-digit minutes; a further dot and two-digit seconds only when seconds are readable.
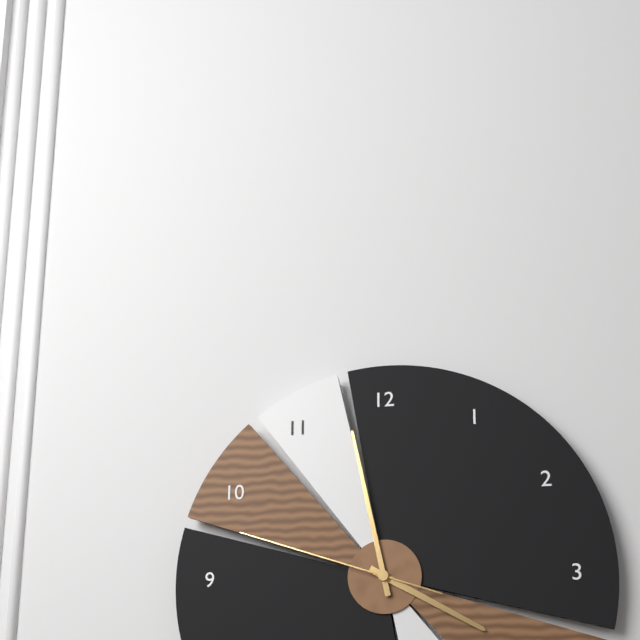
3.58.48
